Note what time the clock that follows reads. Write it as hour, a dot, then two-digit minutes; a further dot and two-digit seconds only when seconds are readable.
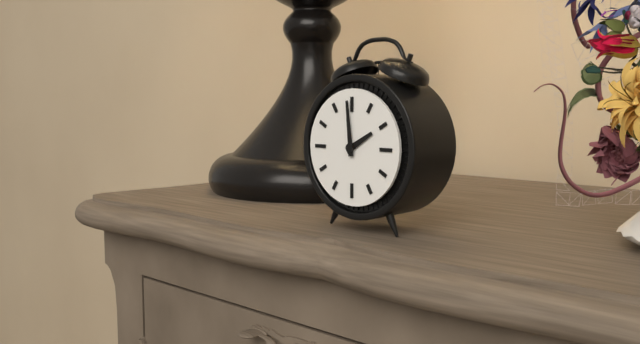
1.59
